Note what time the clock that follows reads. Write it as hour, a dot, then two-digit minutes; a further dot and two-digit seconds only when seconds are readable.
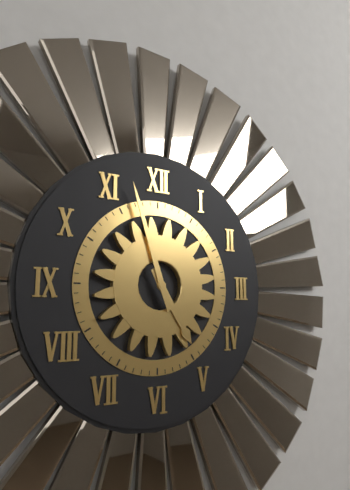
4.57
